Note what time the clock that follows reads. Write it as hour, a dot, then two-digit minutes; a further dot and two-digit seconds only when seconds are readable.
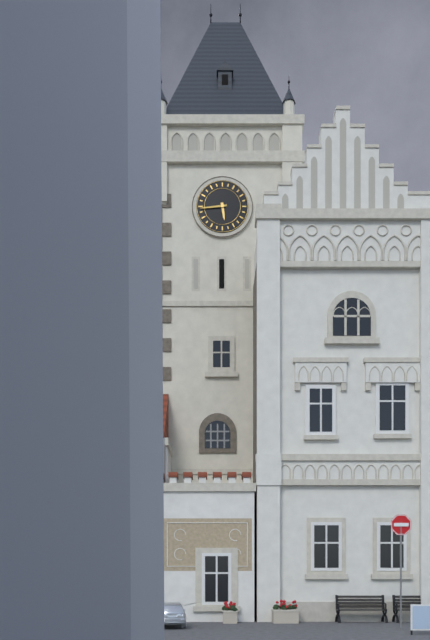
5.44
